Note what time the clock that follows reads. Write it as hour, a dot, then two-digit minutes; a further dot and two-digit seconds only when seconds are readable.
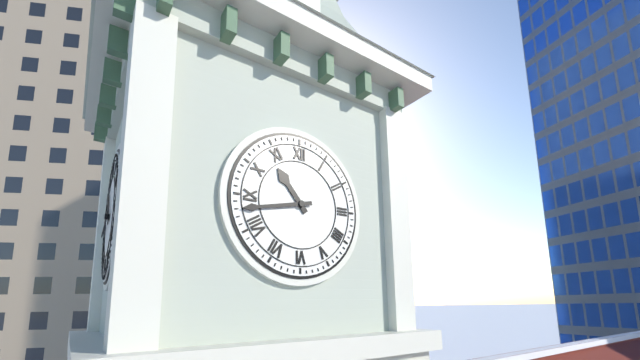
10.43
